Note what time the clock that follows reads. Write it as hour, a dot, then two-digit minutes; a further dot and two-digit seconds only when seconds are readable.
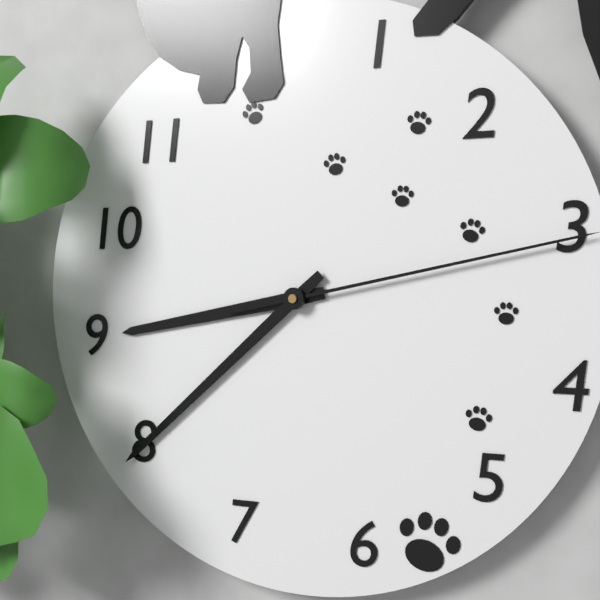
8.38
